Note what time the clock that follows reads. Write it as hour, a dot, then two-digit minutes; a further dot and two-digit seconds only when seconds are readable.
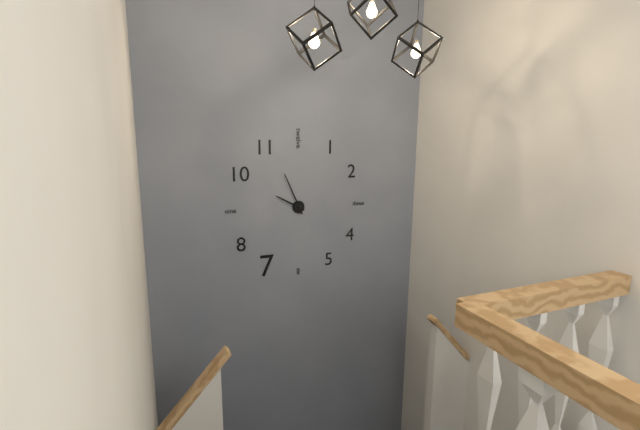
9.56
